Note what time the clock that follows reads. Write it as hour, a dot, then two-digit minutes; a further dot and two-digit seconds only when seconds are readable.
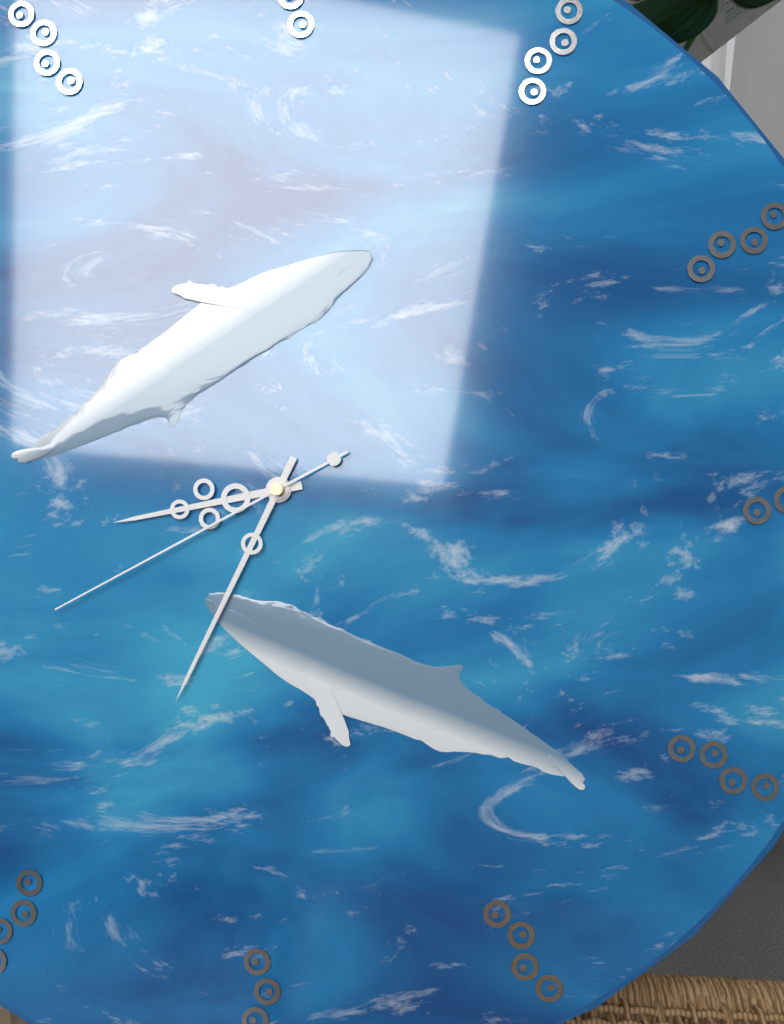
8.34.40
